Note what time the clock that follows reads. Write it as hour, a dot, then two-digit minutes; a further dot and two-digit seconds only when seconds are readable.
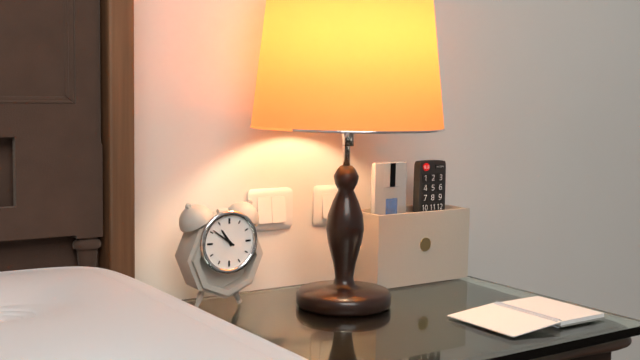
10.51
